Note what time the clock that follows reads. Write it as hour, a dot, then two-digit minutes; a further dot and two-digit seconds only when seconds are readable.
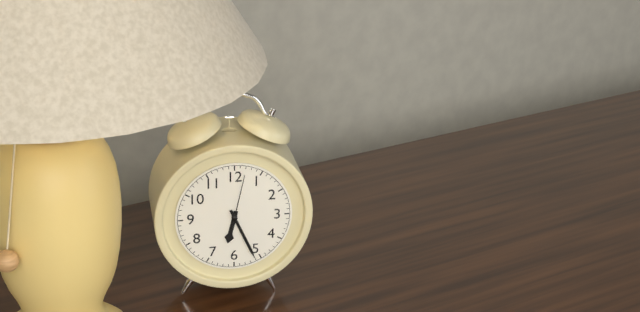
6.26.02
